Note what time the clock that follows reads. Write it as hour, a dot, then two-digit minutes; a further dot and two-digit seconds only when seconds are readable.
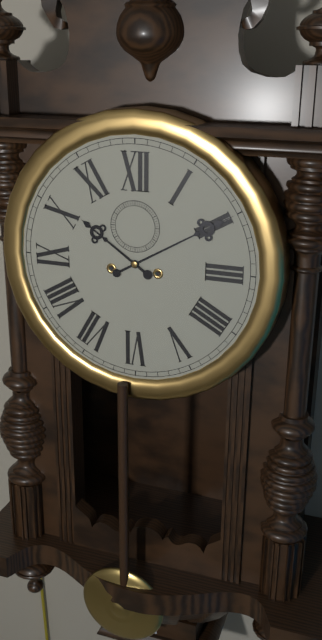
10.10
